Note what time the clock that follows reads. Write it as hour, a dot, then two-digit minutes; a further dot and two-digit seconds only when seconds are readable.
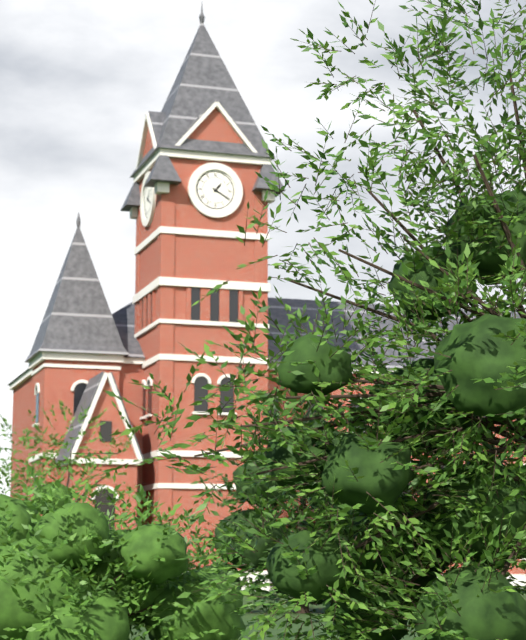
1.20
